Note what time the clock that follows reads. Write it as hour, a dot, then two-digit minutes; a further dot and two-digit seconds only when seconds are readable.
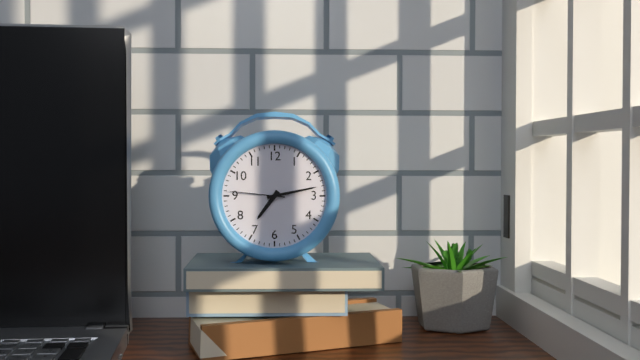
7.13.46
